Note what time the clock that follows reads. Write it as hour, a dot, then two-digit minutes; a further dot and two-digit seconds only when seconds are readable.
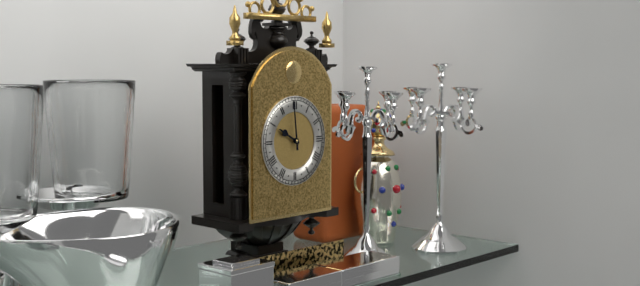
9.59
